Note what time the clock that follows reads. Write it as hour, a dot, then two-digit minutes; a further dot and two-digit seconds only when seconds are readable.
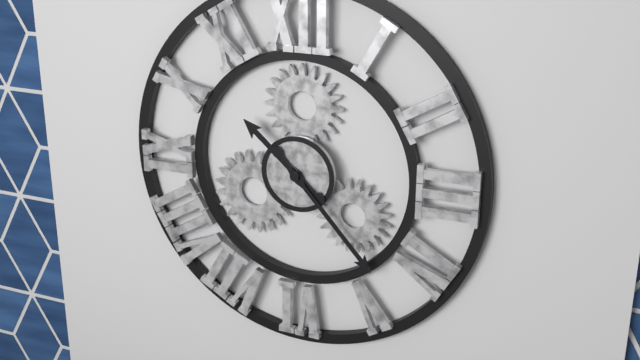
10.23
